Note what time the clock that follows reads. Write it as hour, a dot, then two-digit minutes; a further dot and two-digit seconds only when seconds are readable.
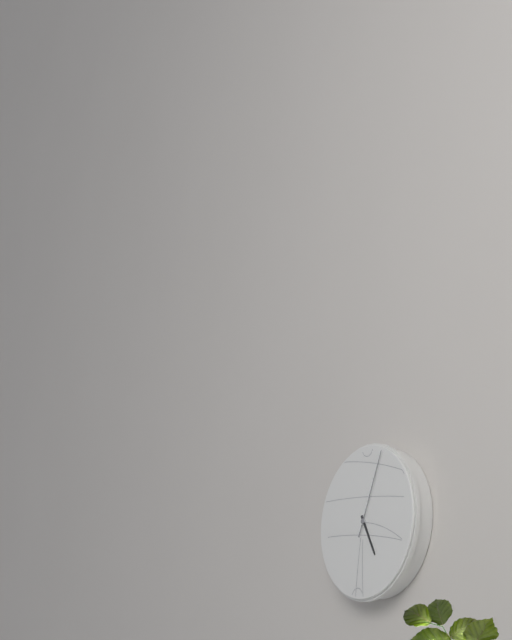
5.04
